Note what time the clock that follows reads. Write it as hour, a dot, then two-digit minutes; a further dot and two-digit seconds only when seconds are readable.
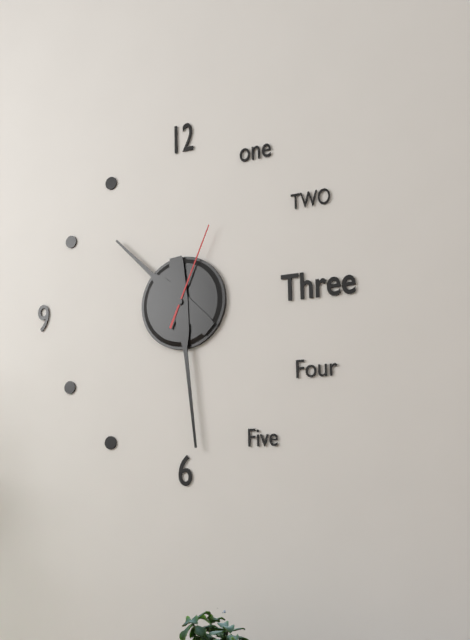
10.29.04
